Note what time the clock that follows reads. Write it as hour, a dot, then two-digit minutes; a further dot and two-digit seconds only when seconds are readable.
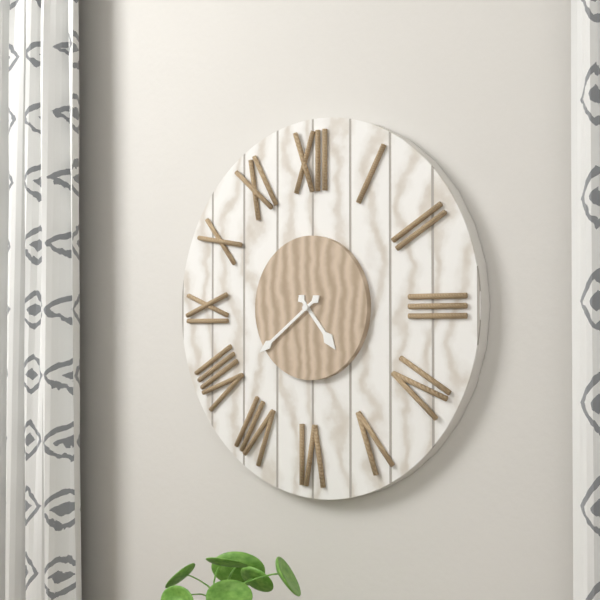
4.39
